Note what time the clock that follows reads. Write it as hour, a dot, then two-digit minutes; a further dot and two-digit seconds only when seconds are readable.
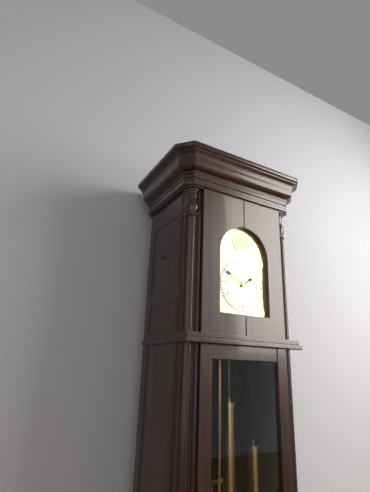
1.50
